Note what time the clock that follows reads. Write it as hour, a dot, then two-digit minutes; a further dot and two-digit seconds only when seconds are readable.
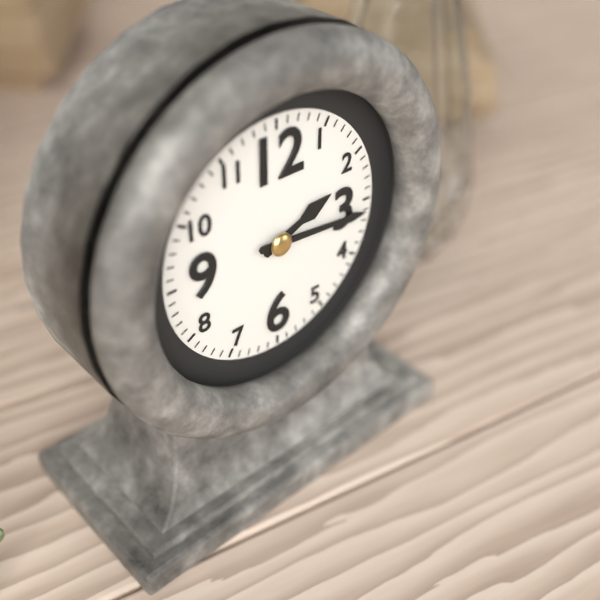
2.16
